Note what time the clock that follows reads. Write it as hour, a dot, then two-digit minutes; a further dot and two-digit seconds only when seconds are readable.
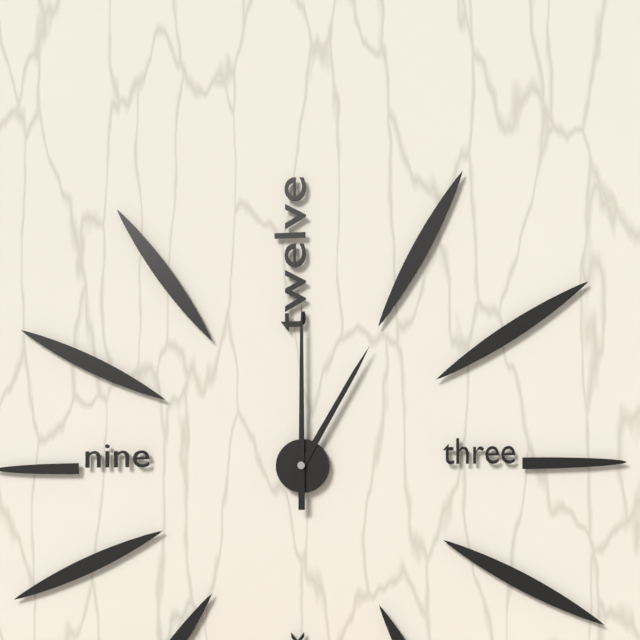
1.00
